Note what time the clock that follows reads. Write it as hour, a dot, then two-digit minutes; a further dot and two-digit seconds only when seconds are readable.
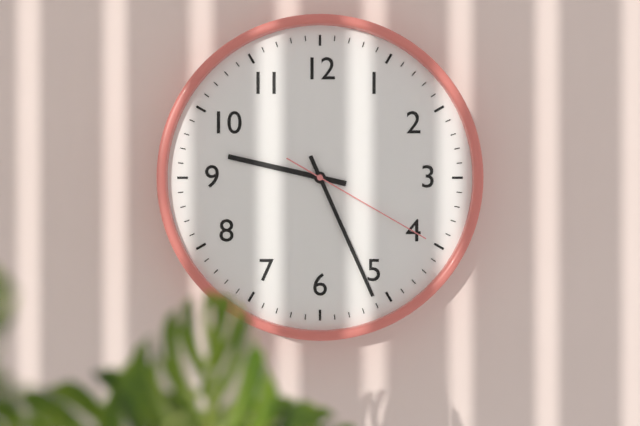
9.26.20
